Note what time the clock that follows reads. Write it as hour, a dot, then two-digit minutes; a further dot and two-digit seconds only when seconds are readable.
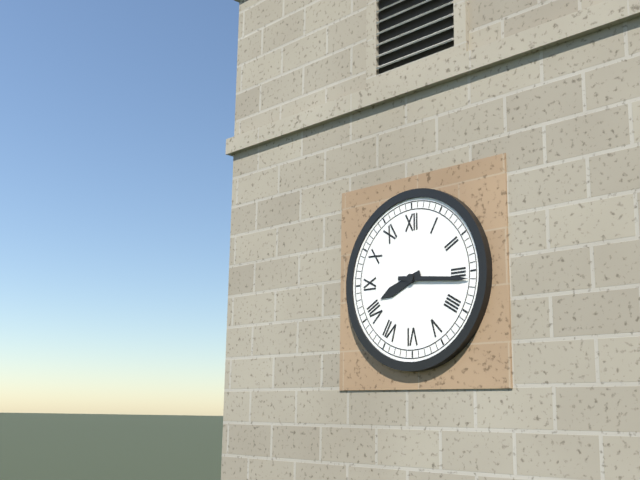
8.16
